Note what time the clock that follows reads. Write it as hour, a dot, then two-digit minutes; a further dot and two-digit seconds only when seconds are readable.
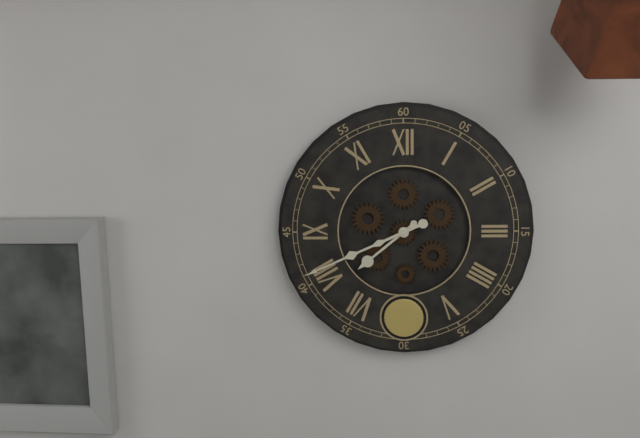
7.41
